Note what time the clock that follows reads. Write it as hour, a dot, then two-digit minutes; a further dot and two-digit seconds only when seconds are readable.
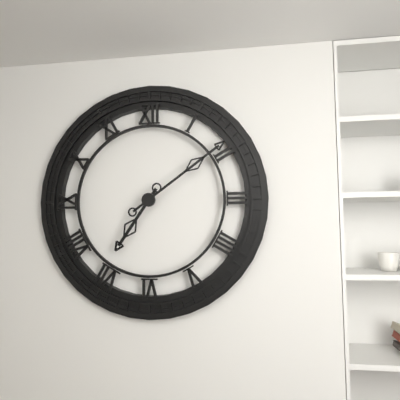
7.09
